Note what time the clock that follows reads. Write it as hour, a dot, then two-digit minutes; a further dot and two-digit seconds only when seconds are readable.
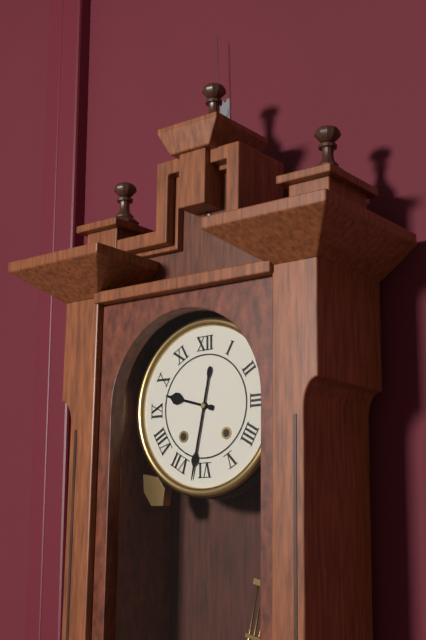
9.32
